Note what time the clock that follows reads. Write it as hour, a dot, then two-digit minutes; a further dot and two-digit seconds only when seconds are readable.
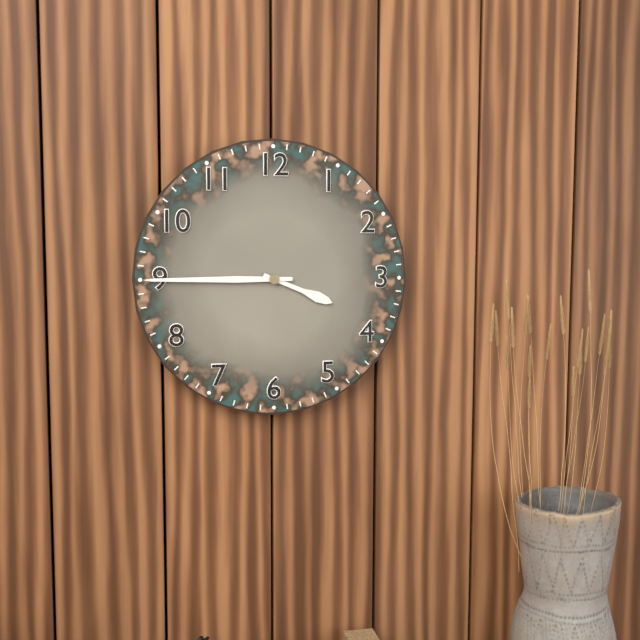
3.45
